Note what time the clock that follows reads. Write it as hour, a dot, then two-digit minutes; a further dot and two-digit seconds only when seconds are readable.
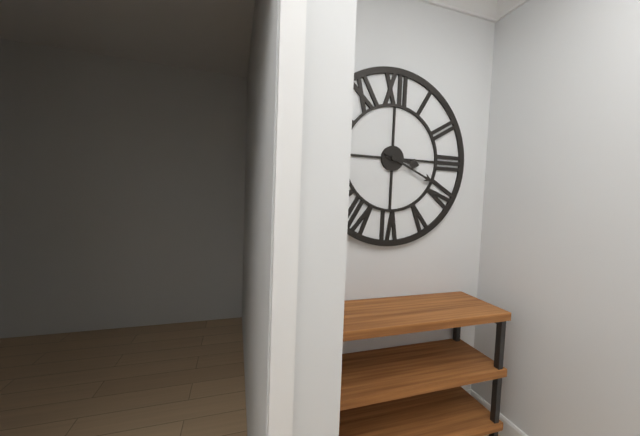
3.19
